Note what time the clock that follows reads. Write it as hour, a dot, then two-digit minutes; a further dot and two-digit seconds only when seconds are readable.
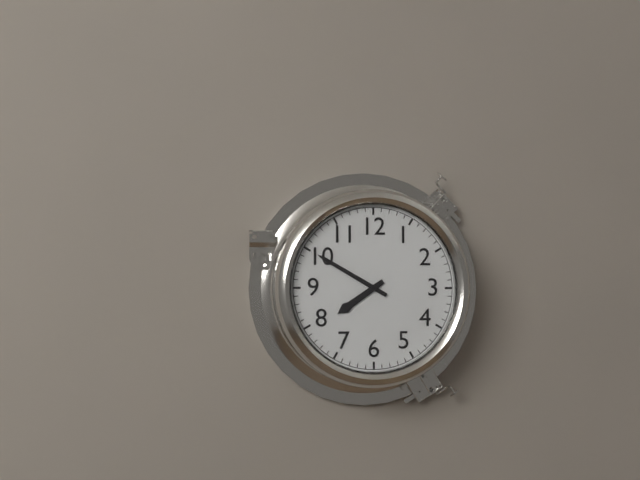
7.50
